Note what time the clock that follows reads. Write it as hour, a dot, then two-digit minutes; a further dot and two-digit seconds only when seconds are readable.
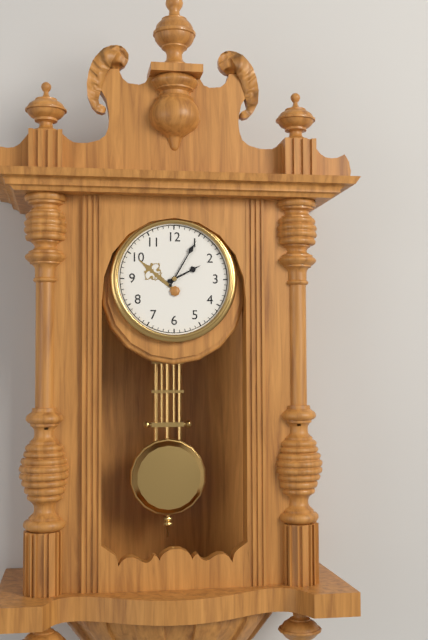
2.05
